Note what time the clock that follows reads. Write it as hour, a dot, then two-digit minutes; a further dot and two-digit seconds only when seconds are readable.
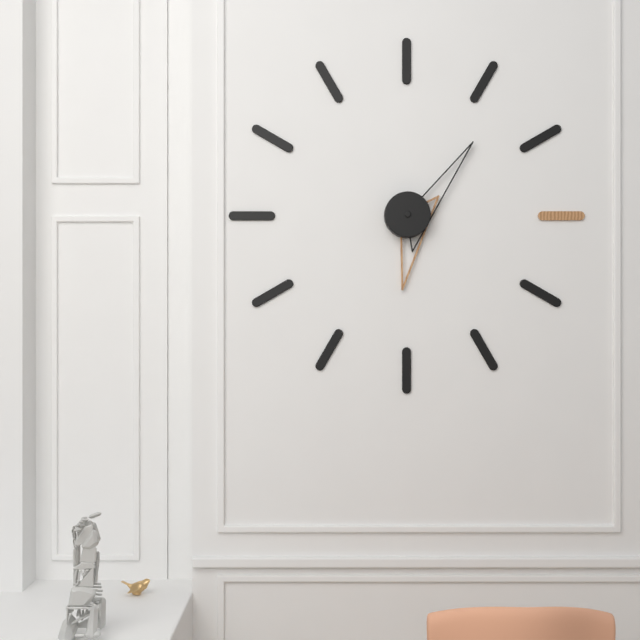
6.07
